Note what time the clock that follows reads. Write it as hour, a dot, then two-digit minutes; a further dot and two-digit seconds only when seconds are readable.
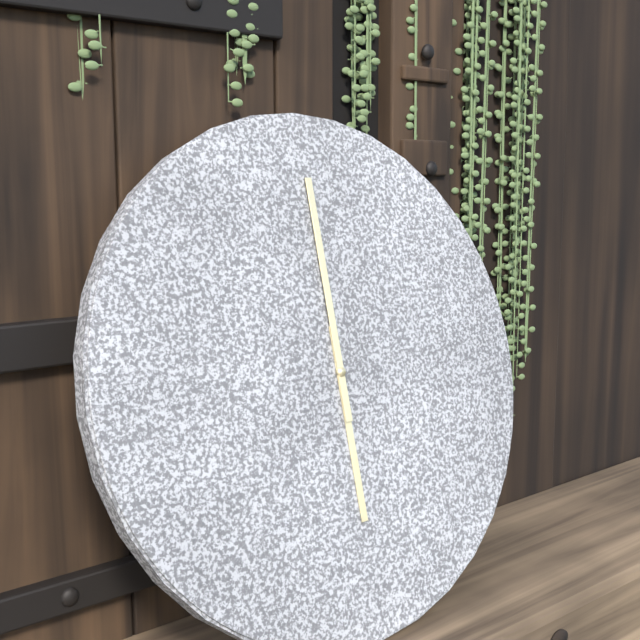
6.00
